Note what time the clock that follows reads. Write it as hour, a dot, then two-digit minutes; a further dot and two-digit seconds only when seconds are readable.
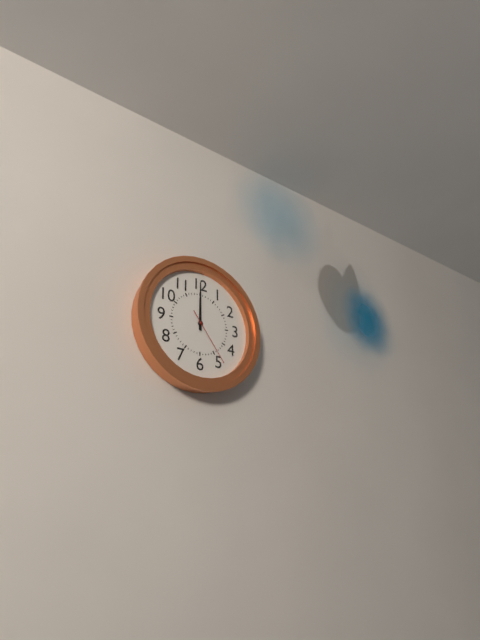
12.00.24
